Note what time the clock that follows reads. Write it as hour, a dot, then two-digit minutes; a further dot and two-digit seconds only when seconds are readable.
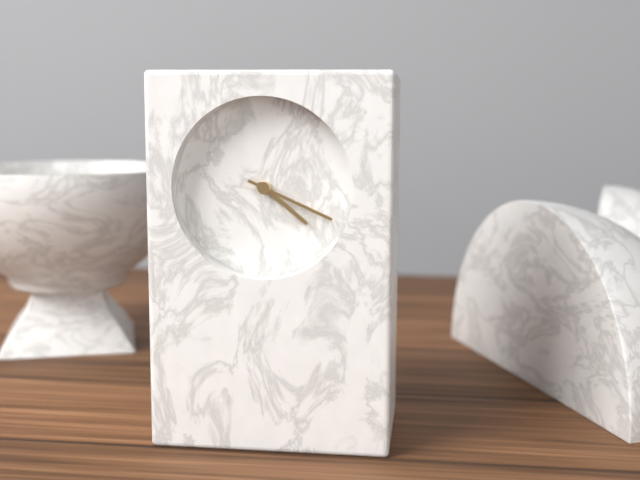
4.19
